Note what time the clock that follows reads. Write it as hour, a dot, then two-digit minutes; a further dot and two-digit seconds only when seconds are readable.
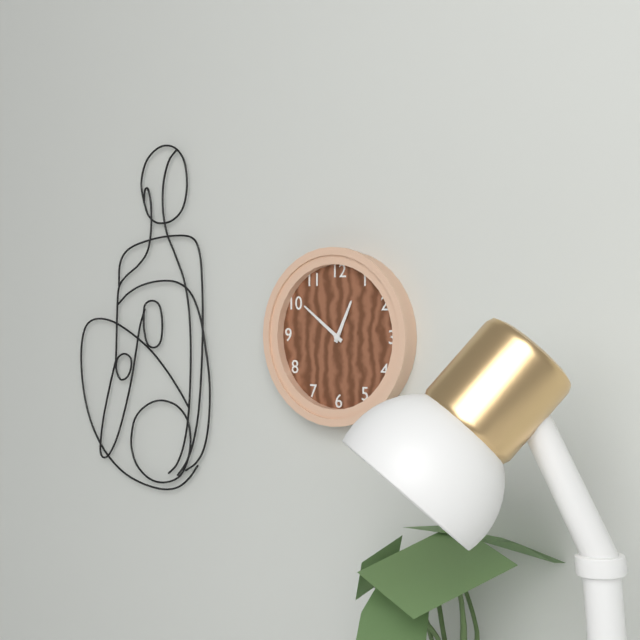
12.51
